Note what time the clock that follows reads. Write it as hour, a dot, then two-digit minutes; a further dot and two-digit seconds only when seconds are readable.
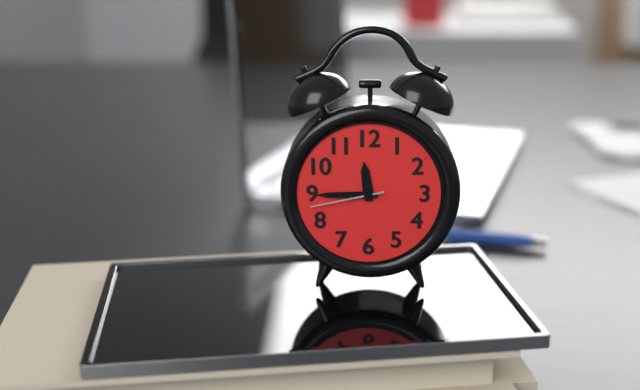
11.45.43
